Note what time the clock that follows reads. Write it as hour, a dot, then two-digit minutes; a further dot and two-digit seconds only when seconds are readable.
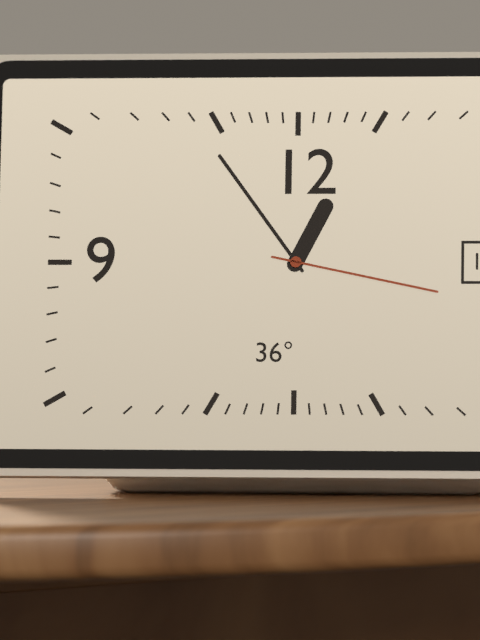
12.54.17
